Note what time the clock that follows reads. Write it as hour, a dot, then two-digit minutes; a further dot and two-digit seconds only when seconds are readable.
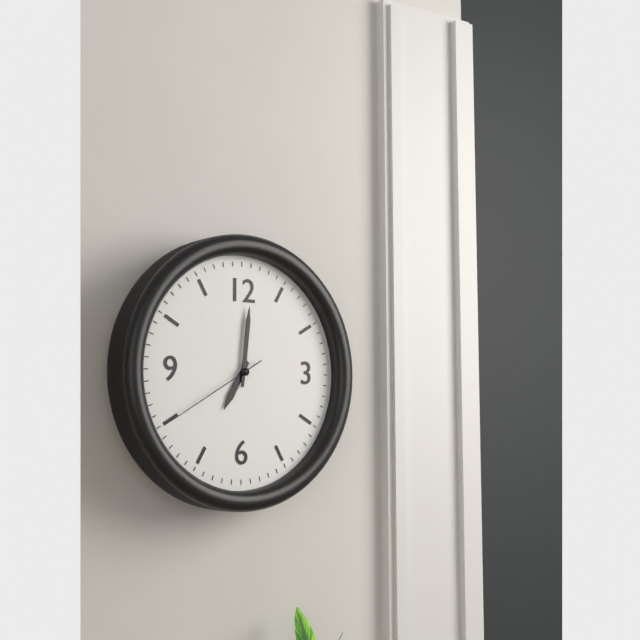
7.01.40
